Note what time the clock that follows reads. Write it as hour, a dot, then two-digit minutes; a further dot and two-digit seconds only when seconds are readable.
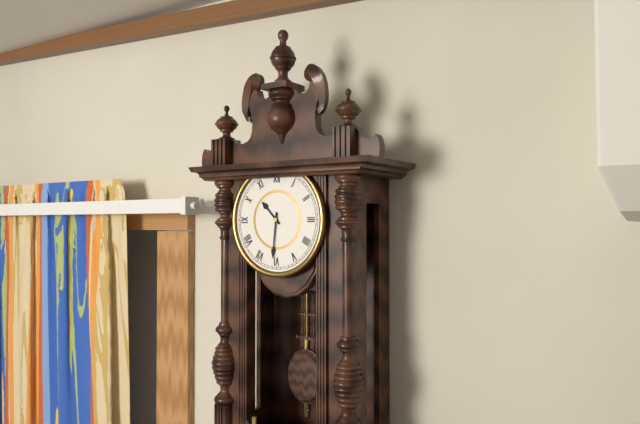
10.31
